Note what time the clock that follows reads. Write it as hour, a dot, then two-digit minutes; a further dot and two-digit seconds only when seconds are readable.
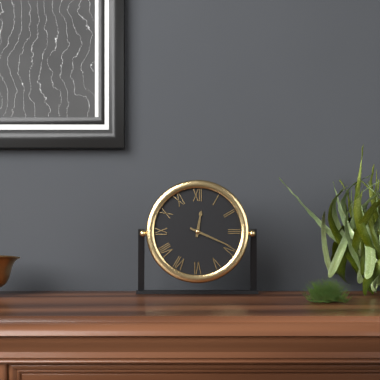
12.19
